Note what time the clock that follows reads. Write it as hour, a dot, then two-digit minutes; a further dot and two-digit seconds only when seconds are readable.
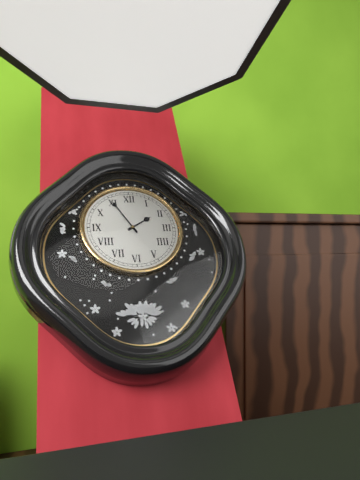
1.55
